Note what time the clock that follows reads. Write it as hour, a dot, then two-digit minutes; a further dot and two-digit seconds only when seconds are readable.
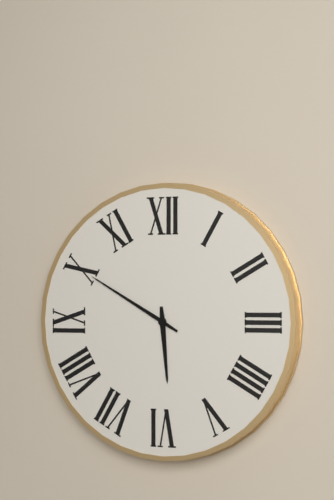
5.50
